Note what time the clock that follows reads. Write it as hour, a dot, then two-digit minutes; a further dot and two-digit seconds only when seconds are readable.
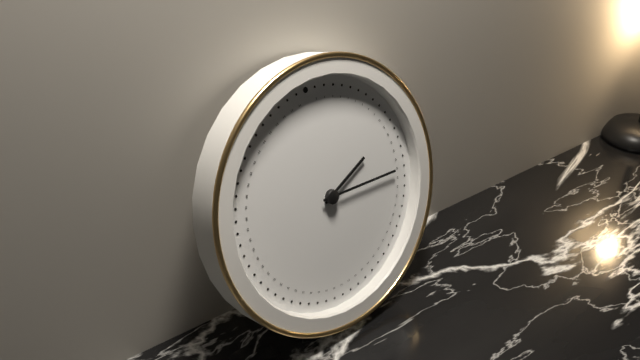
2.16
